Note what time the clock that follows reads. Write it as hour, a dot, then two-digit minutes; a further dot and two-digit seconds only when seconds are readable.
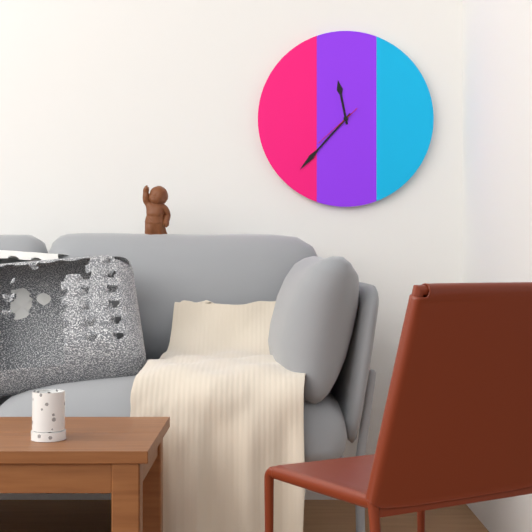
11.37
